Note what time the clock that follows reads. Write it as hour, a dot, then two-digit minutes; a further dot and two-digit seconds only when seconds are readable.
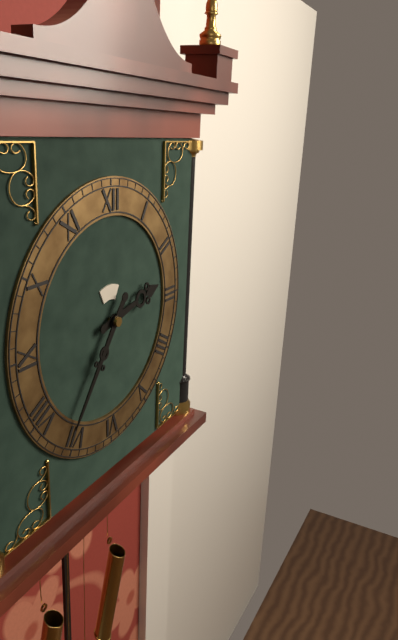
2.36
